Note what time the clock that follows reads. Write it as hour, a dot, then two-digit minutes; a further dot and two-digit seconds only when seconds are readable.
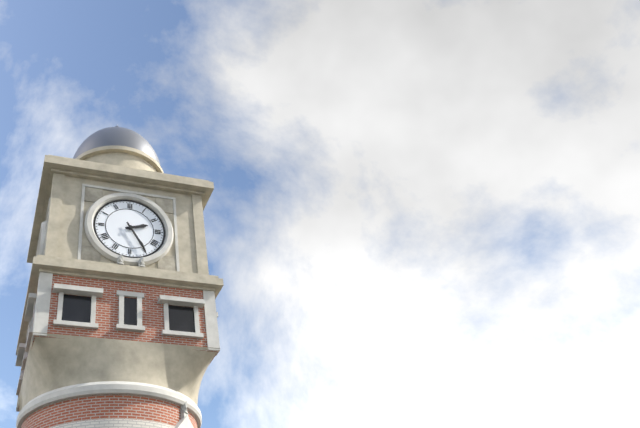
2.25
